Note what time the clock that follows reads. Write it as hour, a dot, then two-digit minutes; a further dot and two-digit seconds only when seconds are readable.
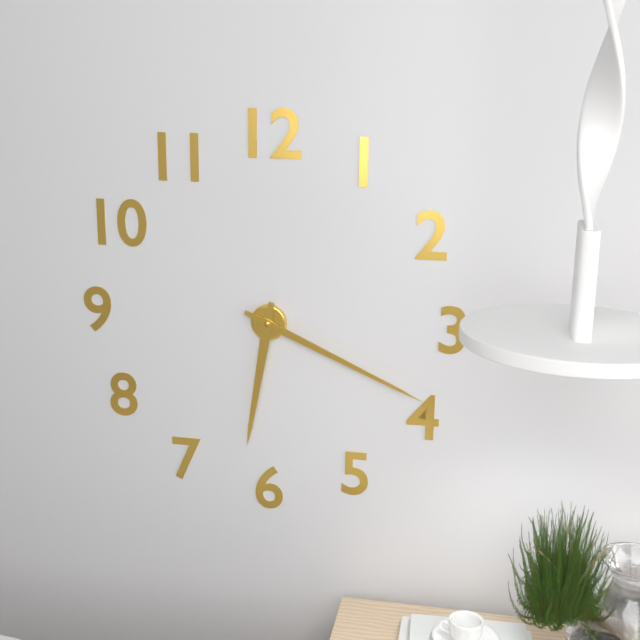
6.19
